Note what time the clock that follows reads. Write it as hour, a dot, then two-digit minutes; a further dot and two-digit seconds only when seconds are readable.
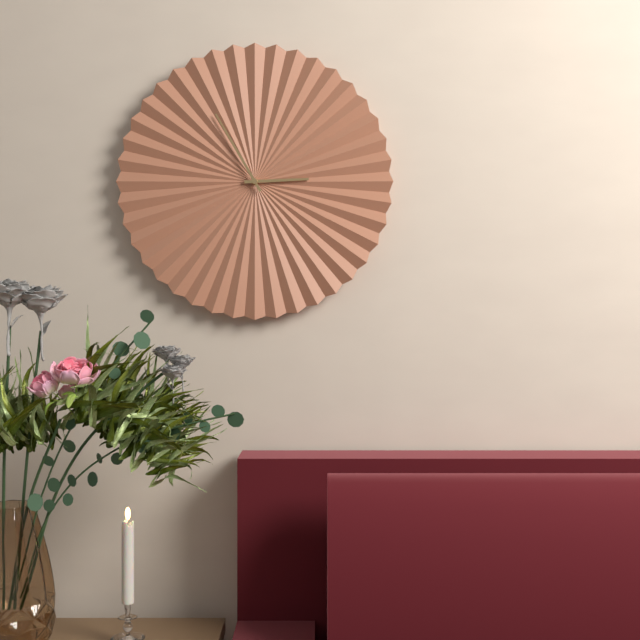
2.55
